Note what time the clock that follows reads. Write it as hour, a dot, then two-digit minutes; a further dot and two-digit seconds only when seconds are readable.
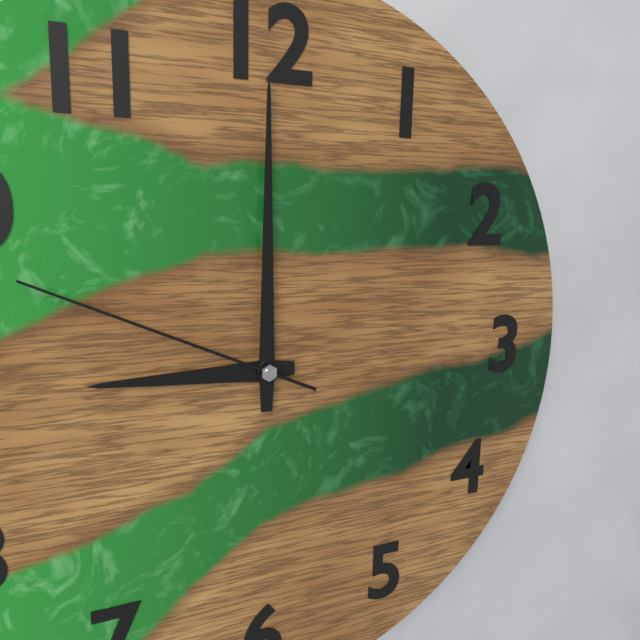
9.00.49
